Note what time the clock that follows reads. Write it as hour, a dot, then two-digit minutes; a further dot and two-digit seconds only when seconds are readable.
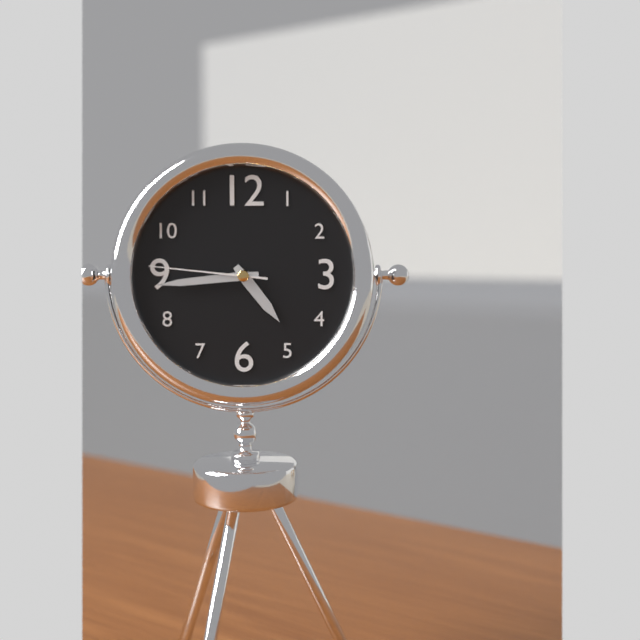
4.44.46
